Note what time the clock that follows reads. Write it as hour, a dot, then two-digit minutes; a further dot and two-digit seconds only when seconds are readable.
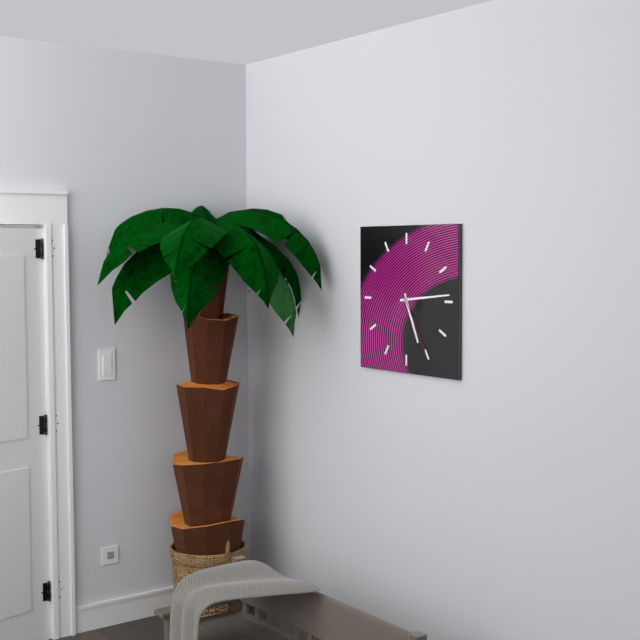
5.14.25
